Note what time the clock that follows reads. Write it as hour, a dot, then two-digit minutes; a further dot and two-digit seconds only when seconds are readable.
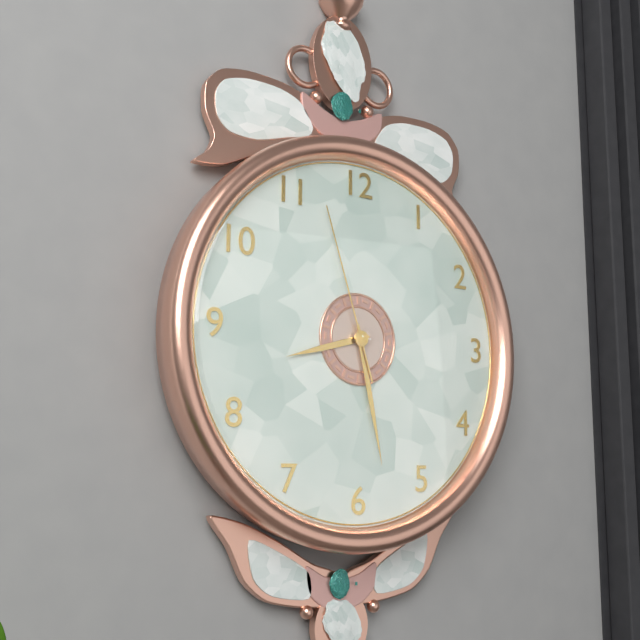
8.28.57
